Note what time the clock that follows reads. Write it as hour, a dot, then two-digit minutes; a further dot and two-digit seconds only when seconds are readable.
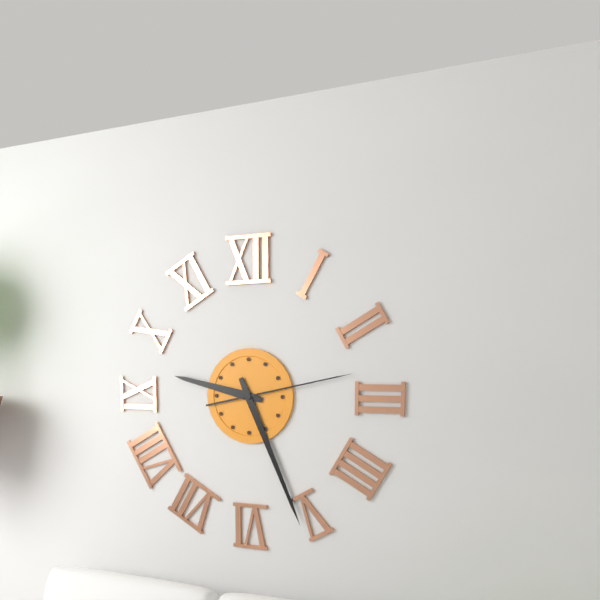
9.26.13
